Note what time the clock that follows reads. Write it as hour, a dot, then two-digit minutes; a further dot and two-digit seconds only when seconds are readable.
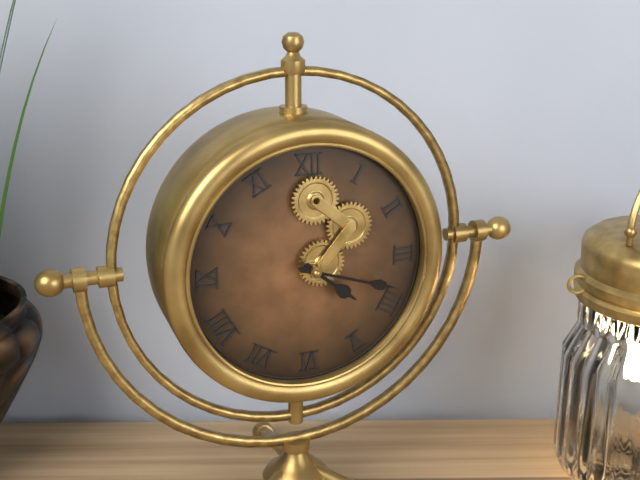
4.18
